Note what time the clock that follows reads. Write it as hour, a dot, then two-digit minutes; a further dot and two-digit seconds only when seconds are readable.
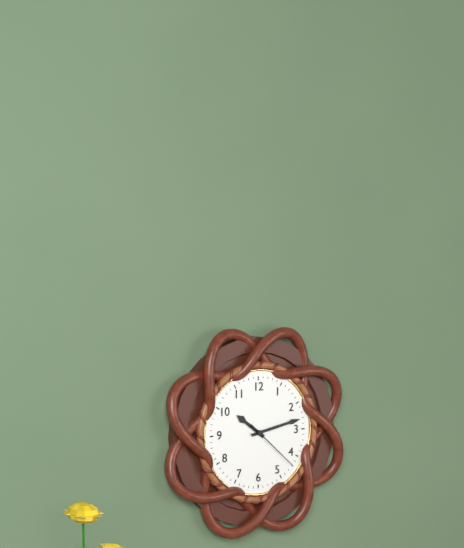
10.13.22
